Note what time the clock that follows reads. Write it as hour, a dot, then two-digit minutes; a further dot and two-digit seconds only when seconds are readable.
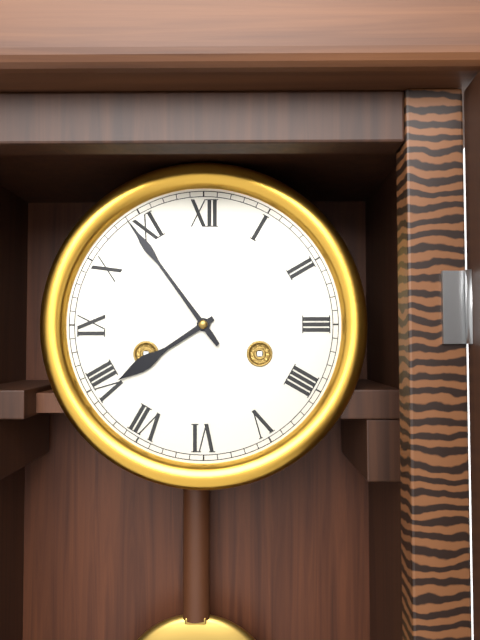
7.54
